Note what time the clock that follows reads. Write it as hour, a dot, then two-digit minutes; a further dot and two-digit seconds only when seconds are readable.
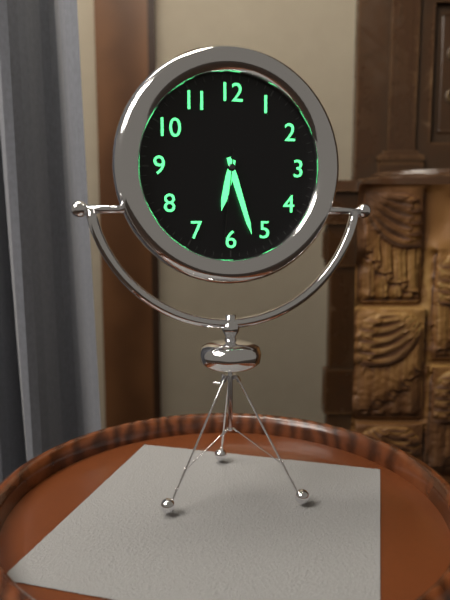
6.27.31
